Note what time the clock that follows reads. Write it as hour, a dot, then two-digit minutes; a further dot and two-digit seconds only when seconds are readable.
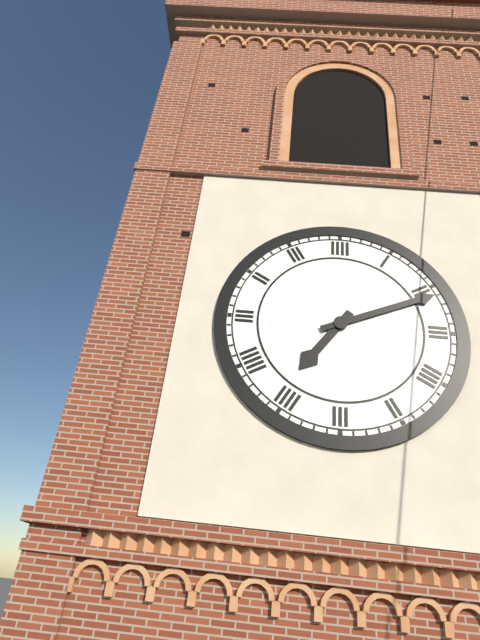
7.11
